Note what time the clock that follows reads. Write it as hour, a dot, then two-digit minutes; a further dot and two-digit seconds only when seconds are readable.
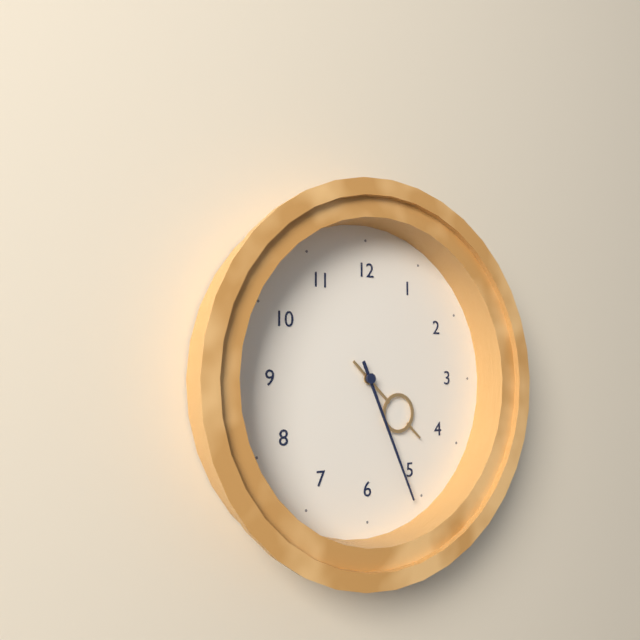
4.26
